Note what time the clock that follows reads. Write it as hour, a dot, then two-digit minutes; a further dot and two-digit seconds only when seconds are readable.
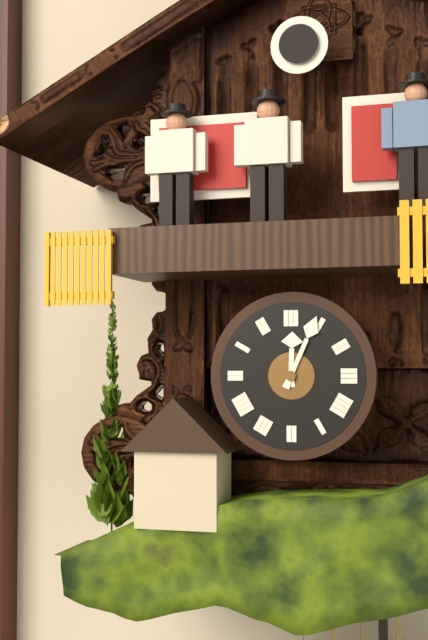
12.04
